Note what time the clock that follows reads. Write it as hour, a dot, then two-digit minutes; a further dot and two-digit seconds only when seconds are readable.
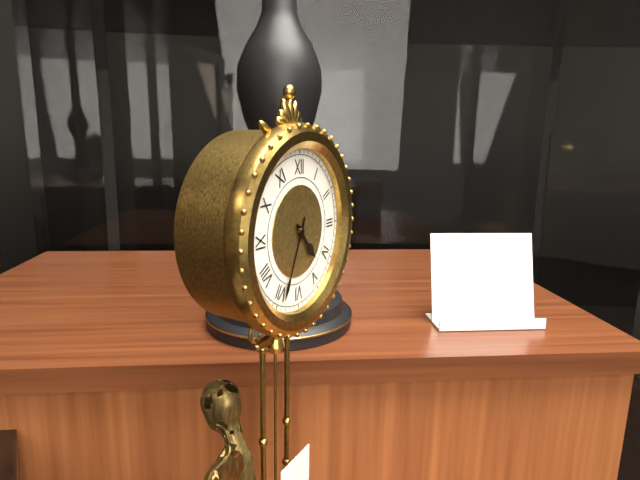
4.34
